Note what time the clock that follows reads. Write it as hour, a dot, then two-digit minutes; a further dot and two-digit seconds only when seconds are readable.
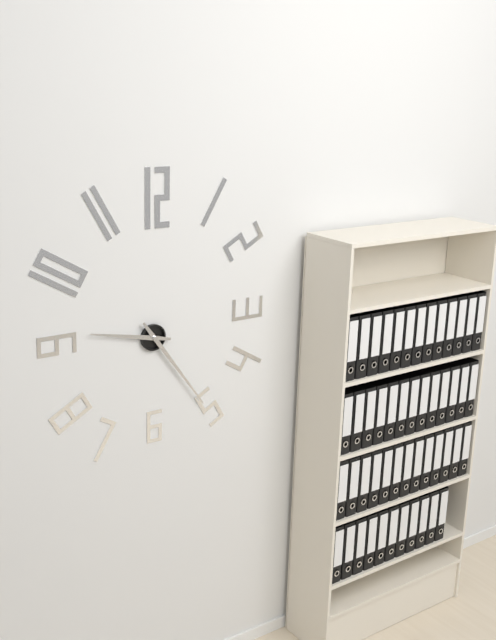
9.24
